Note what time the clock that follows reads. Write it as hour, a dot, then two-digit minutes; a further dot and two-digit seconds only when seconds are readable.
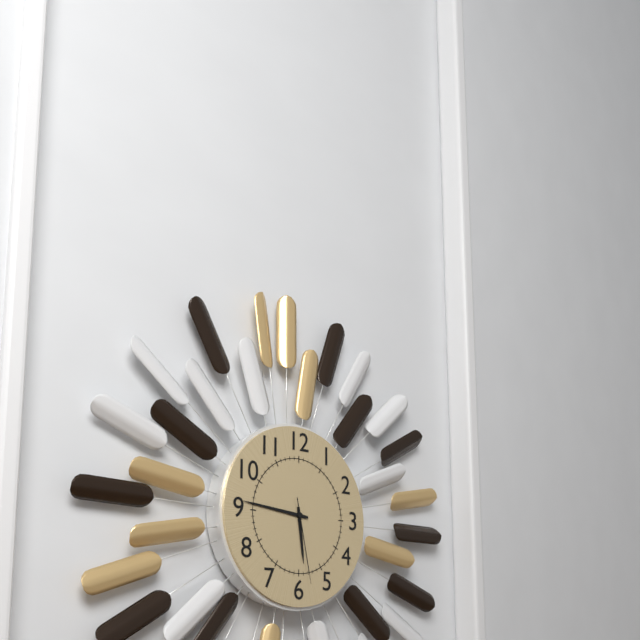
5.46.28
